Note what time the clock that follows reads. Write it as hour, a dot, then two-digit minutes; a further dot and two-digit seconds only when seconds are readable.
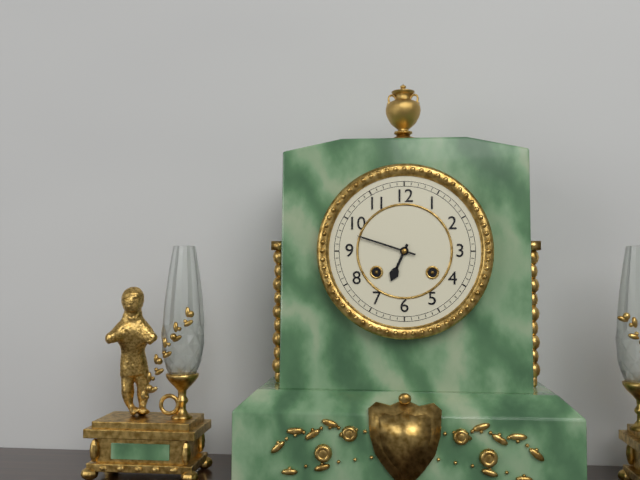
6.48
